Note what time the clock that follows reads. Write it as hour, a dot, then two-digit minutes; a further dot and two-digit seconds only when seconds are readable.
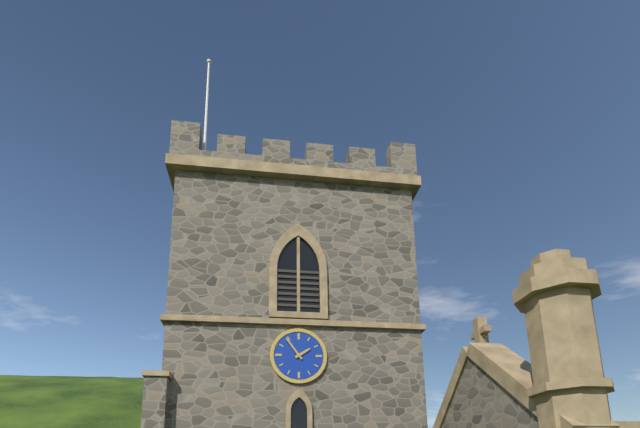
1.54
